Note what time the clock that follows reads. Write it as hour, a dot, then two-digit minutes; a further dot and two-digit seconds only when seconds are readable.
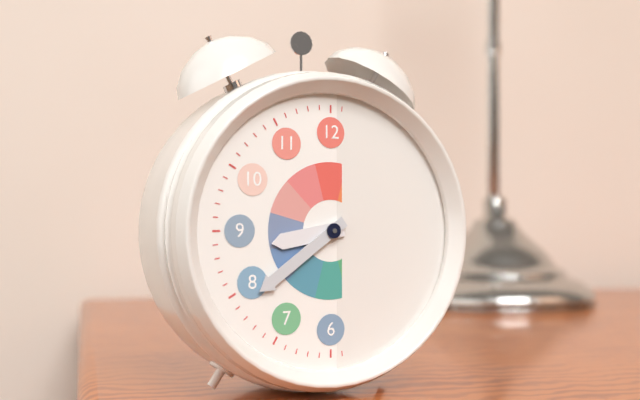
8.39
